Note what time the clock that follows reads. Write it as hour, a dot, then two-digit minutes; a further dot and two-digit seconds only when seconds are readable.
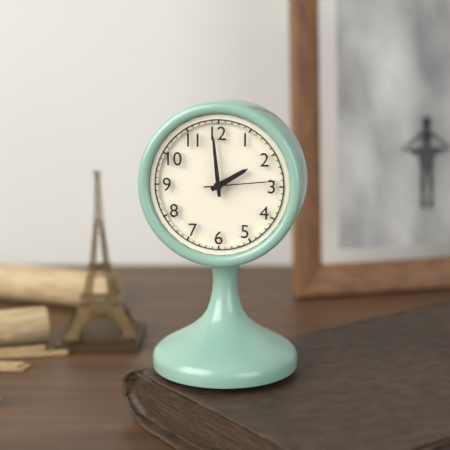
1.59.14
